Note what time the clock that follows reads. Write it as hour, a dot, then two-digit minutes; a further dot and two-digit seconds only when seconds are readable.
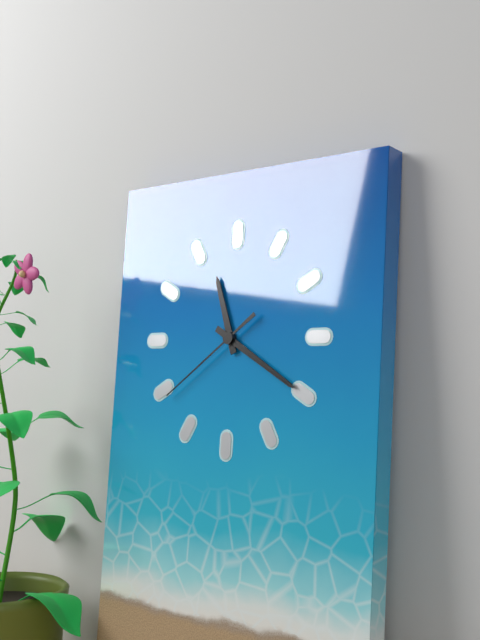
11.20.39
